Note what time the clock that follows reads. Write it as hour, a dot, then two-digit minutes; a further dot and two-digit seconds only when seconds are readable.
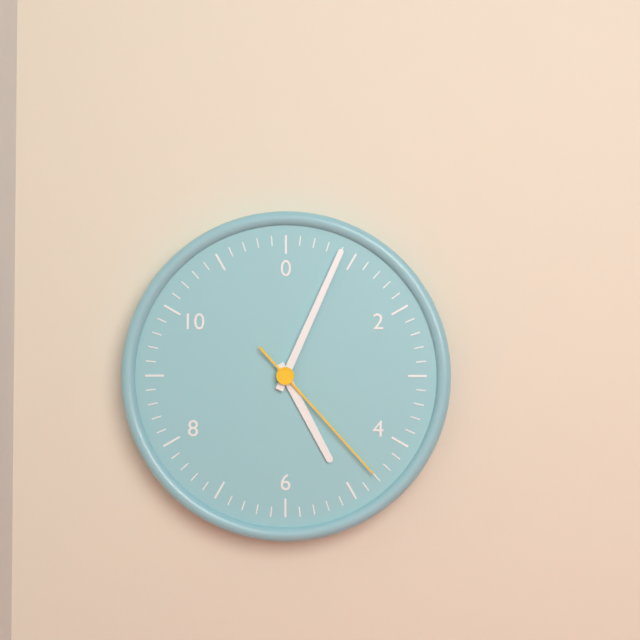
5.04.23
